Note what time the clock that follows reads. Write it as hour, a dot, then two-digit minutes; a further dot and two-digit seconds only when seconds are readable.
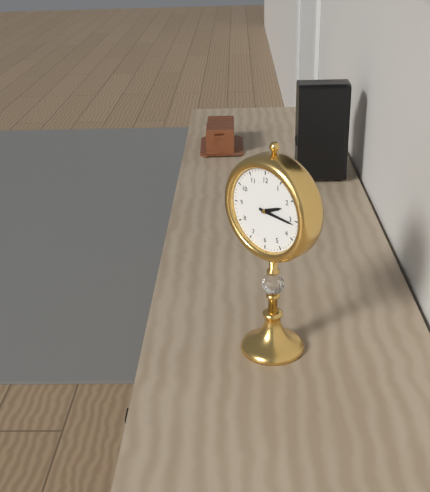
2.16
